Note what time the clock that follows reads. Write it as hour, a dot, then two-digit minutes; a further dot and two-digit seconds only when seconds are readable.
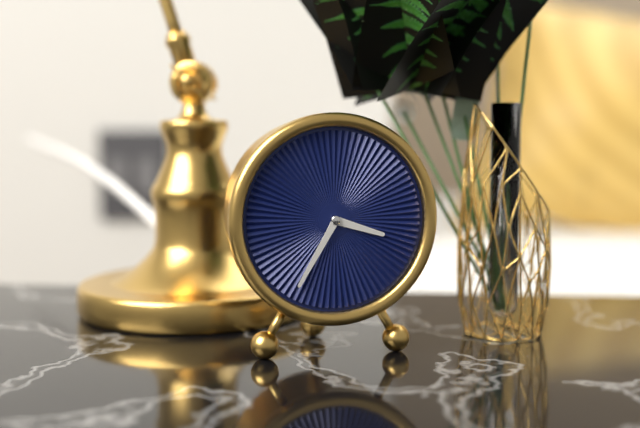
3.35
